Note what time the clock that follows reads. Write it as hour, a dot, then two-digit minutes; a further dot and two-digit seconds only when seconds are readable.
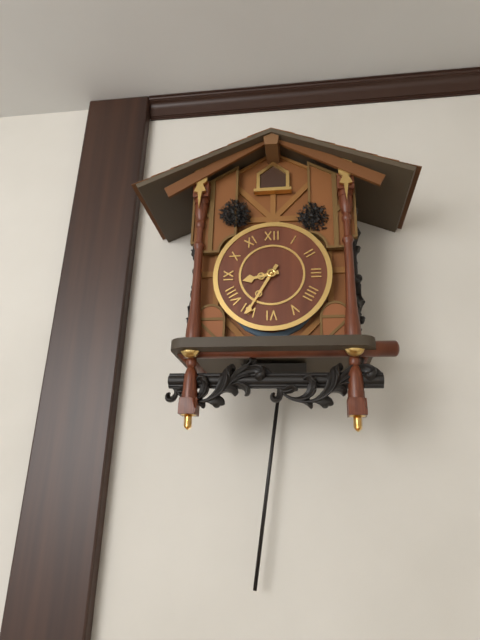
8.35
